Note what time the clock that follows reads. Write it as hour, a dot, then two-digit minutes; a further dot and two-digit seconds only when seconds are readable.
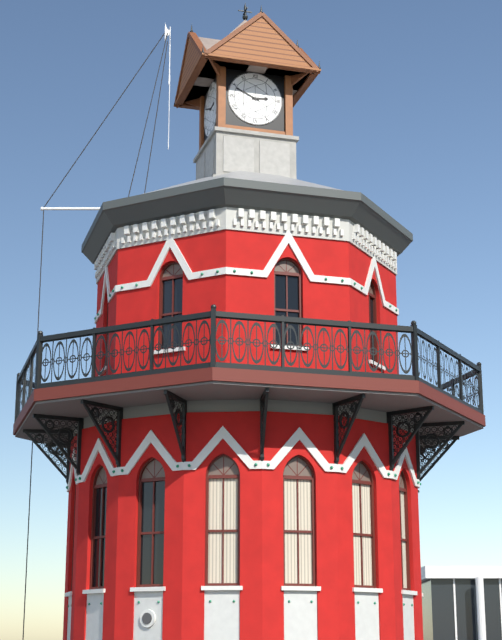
2.49
